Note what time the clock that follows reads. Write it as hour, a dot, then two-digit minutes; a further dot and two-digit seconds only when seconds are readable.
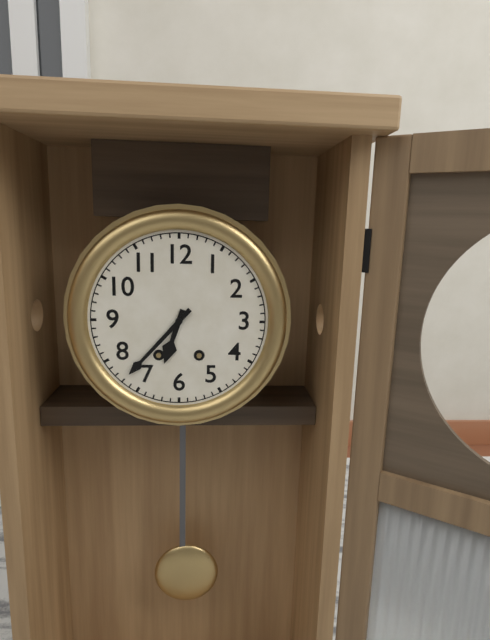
6.37
